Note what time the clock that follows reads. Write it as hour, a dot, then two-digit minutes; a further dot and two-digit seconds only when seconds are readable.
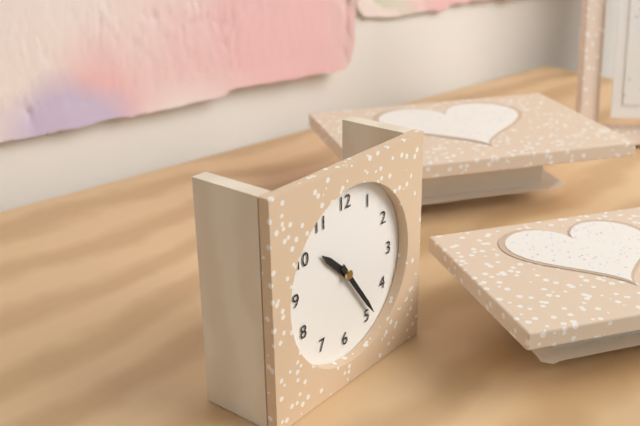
10.24
